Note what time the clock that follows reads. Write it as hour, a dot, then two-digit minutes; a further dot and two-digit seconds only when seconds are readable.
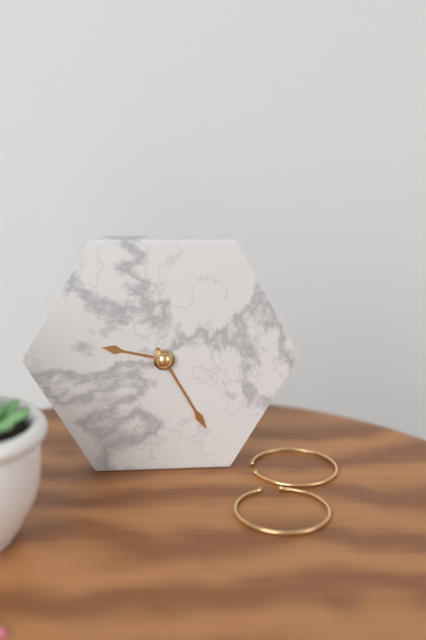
9.25
